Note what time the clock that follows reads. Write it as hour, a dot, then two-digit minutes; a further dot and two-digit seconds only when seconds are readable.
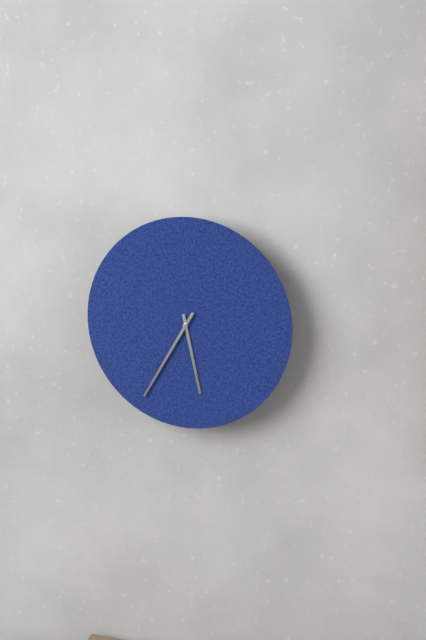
5.35
